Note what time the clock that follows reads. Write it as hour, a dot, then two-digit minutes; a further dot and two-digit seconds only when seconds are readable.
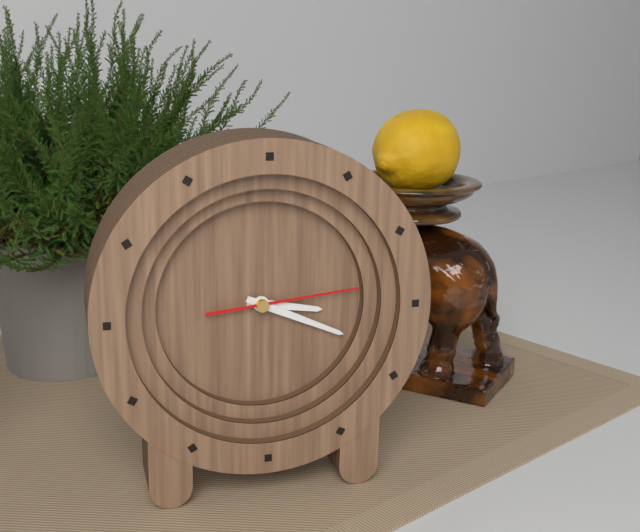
3.19.14
